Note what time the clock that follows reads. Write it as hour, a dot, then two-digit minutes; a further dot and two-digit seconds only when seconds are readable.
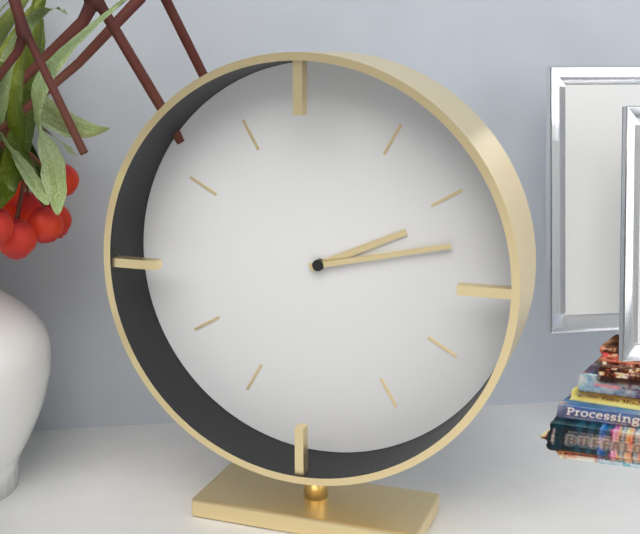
2.13
